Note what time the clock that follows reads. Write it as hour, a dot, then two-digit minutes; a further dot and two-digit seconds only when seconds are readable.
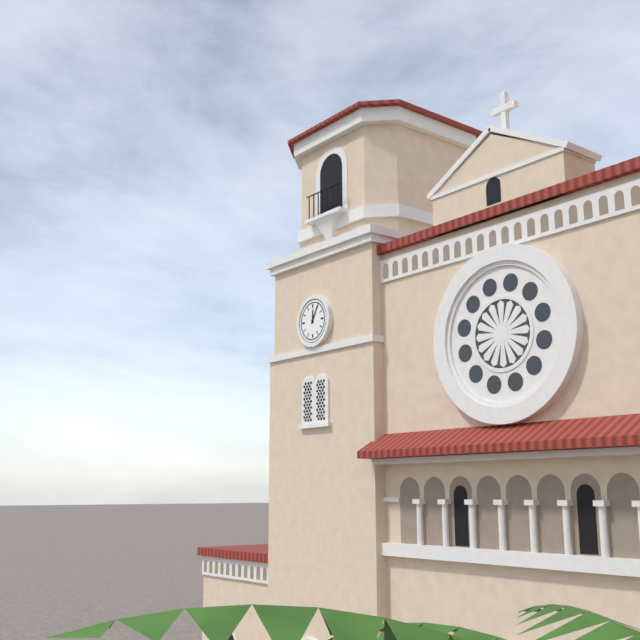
12.05
